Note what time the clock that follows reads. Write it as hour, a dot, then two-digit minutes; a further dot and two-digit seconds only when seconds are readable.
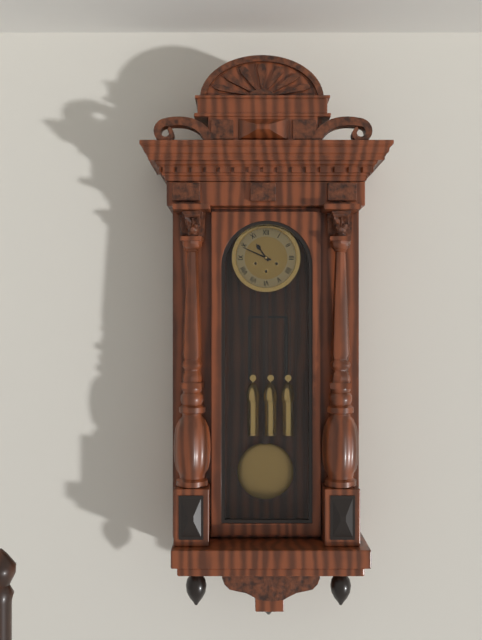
10.49
